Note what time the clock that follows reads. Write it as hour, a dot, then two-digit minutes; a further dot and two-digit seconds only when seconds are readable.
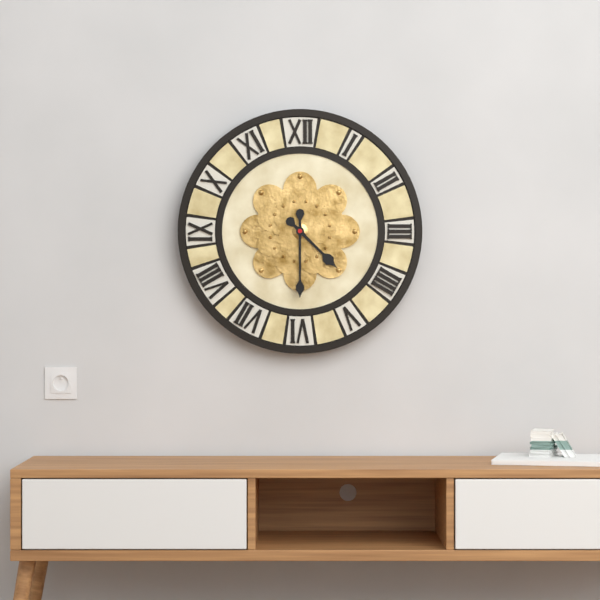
4.30
